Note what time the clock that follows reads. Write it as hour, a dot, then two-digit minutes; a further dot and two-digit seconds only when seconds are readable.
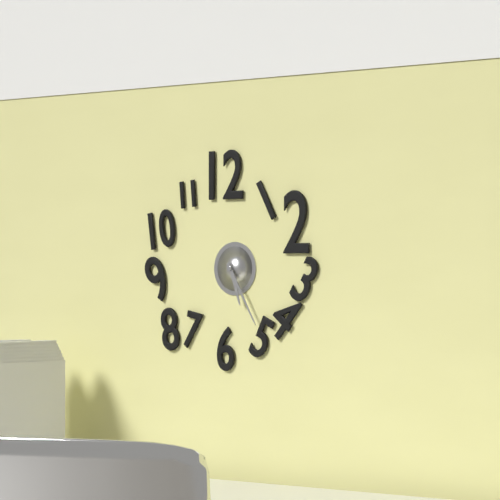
5.25
